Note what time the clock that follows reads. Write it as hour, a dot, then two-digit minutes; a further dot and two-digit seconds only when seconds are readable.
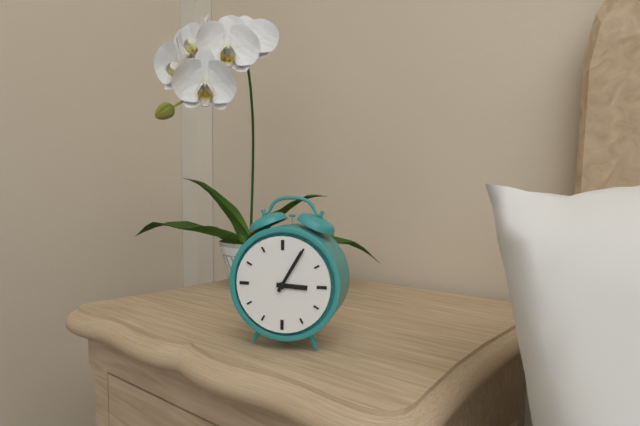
3.05
